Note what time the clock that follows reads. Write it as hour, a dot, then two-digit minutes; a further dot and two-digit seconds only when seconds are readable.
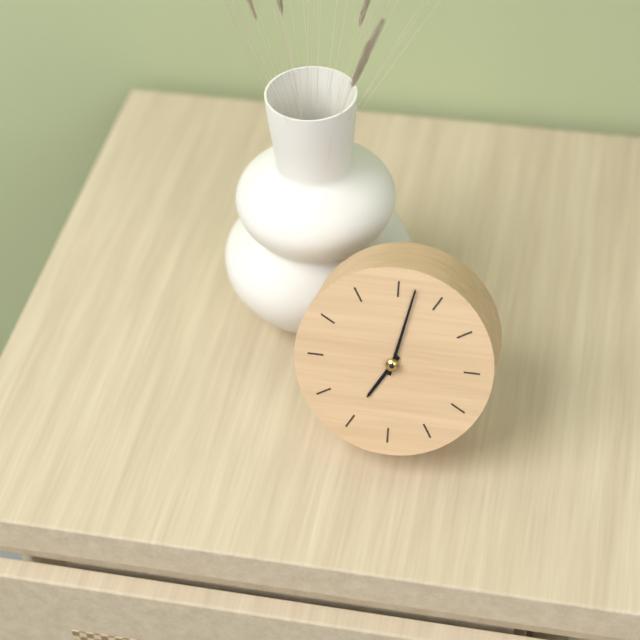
7.02
